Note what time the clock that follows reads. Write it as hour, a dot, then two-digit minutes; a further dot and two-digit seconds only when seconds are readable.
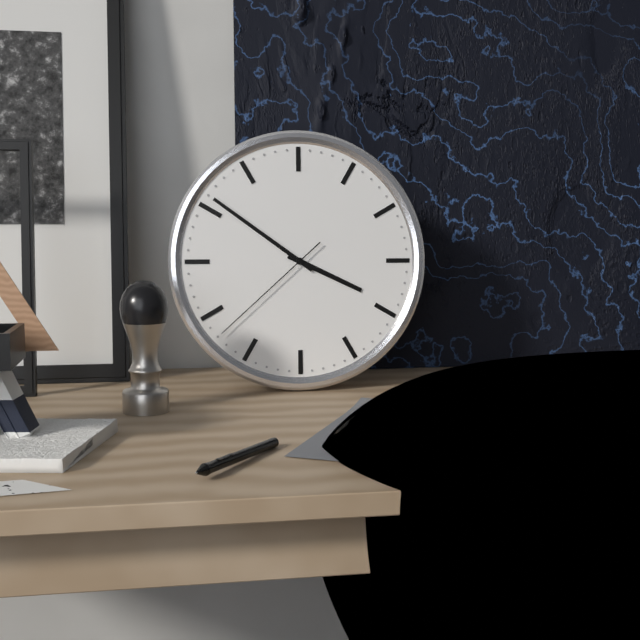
3.51.38
